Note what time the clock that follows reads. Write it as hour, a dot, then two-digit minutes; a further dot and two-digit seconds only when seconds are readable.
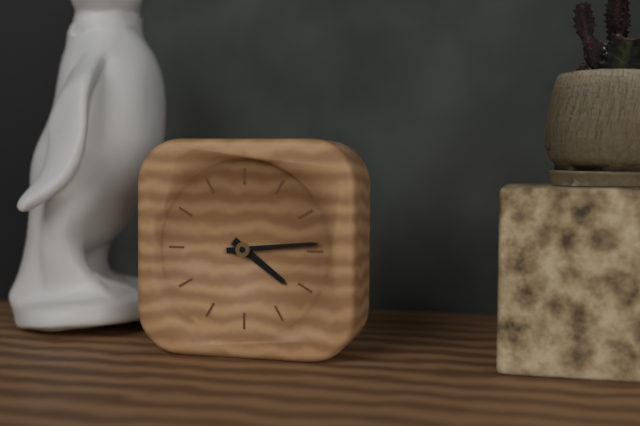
4.14
